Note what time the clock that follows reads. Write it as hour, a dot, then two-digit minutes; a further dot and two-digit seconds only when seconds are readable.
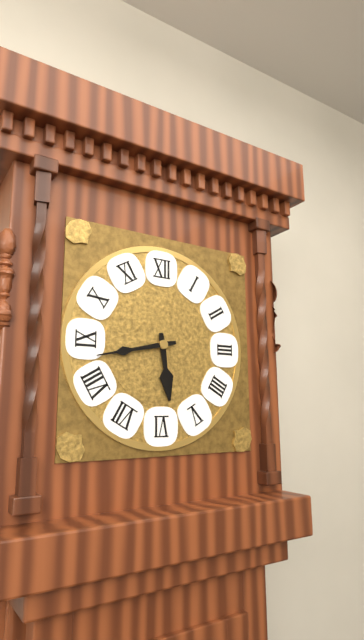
5.43
